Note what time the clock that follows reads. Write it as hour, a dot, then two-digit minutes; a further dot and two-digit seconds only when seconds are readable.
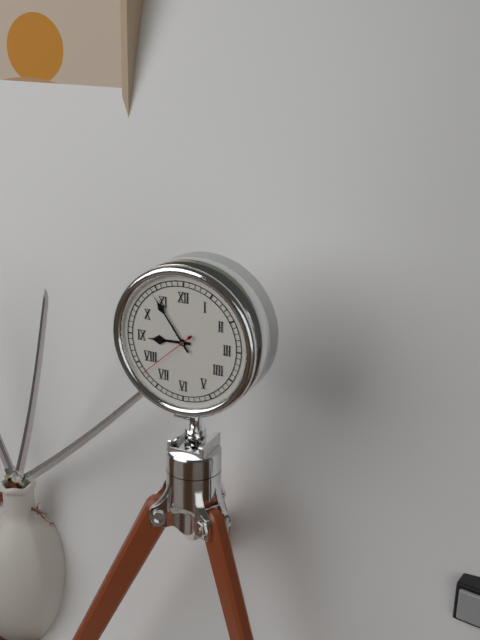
8.54.38
